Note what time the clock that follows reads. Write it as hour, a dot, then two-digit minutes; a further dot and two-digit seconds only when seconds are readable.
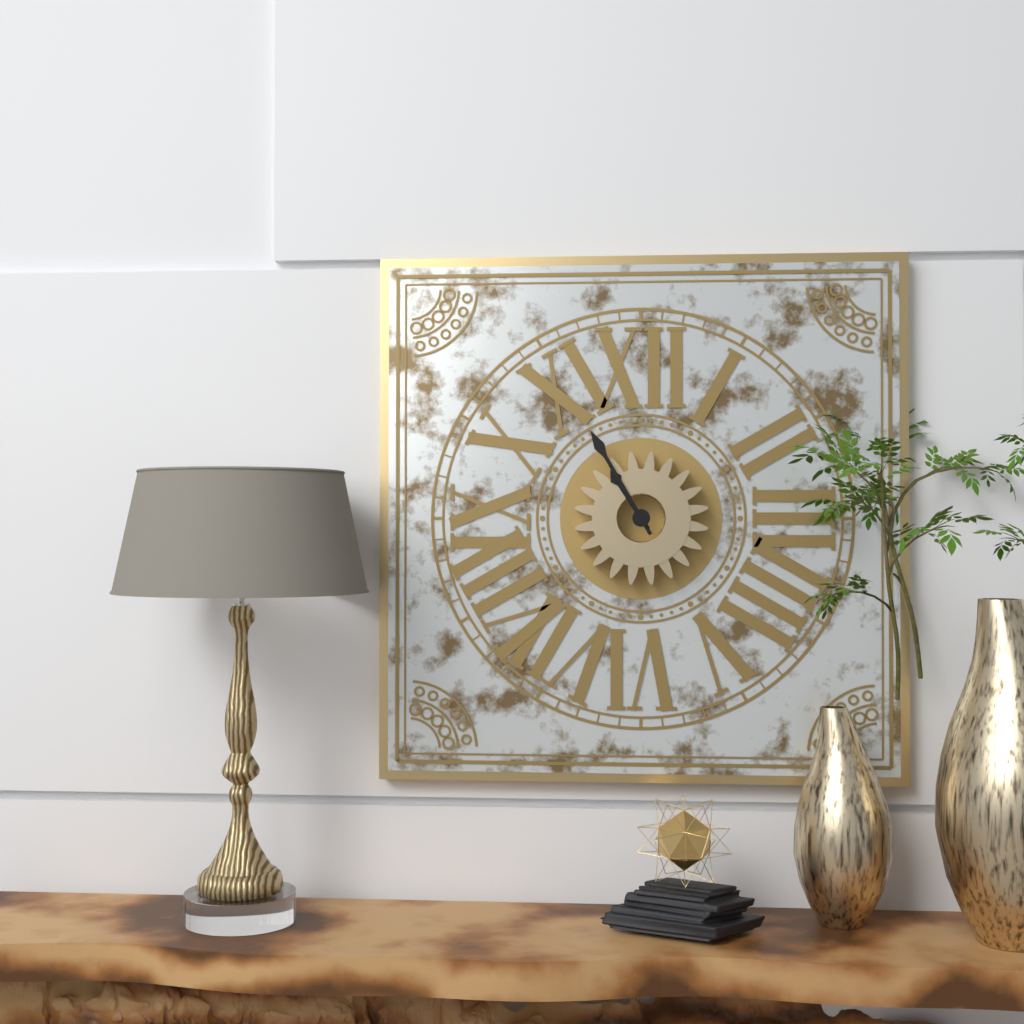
10.55
